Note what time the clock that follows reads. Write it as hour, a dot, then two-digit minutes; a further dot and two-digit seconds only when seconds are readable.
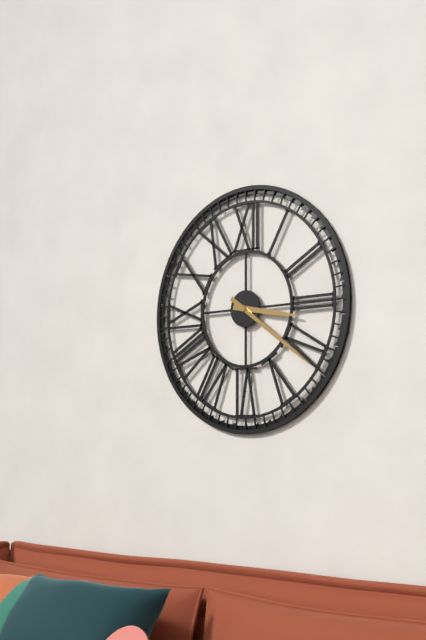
3.21
